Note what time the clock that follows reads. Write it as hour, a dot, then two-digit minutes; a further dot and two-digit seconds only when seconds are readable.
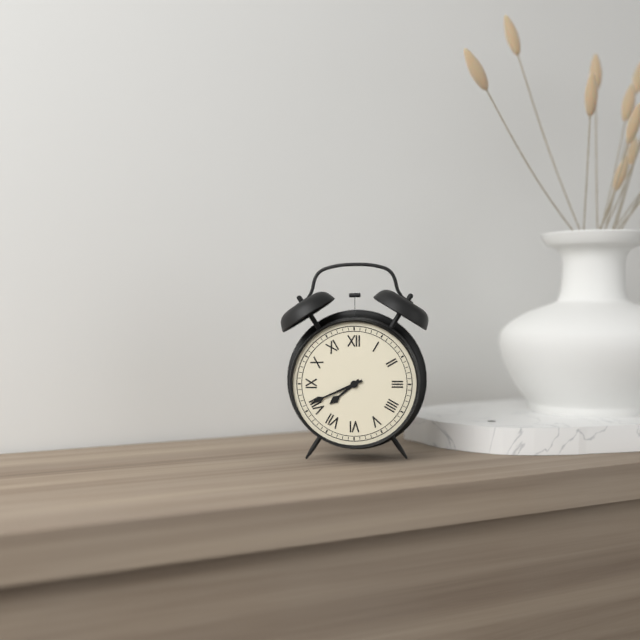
7.41
